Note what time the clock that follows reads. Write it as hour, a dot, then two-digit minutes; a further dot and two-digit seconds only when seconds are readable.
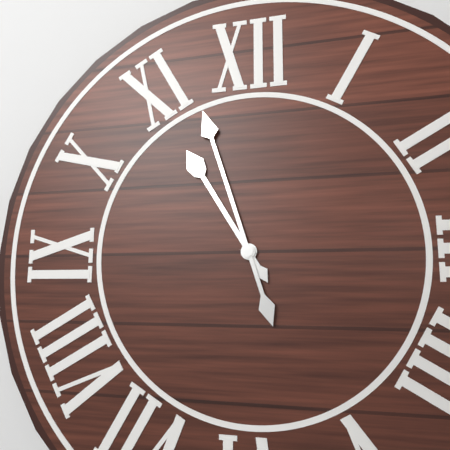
10.57
